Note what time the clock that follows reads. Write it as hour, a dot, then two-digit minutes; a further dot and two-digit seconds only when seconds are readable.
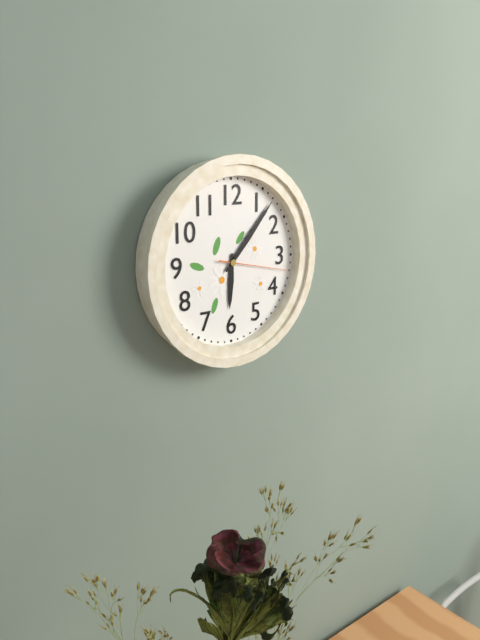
6.07.17
